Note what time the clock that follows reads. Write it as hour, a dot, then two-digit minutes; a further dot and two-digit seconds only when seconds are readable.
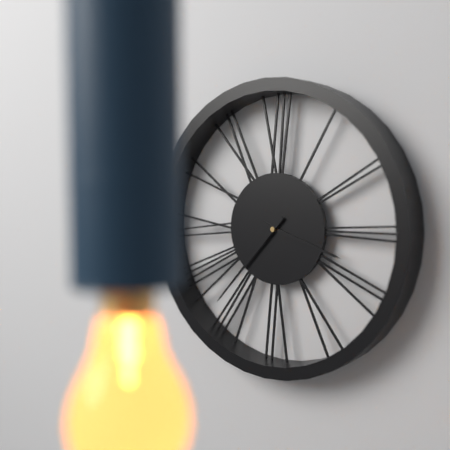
3.37
